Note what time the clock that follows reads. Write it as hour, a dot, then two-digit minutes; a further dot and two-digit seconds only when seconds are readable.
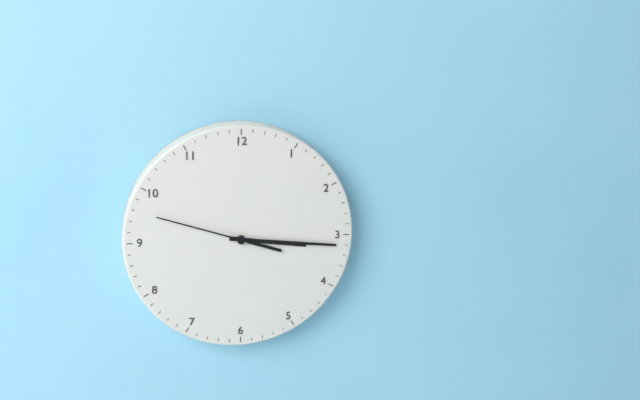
3.16.48
